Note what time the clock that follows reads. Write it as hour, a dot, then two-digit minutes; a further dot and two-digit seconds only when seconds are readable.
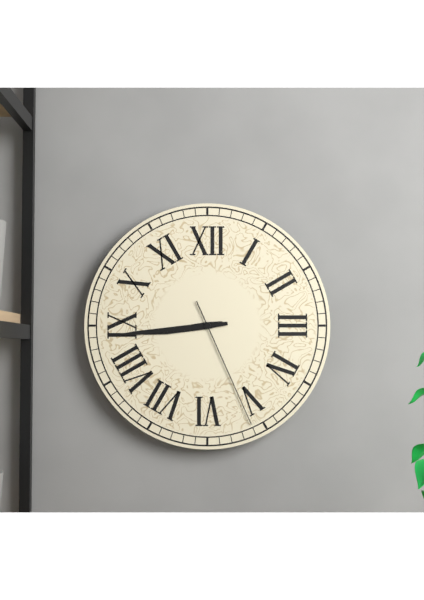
8.44.26
